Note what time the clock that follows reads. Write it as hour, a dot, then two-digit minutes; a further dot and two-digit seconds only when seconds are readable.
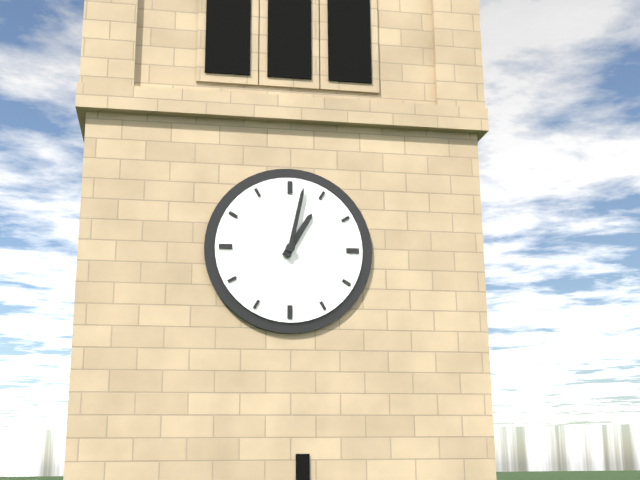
1.02
